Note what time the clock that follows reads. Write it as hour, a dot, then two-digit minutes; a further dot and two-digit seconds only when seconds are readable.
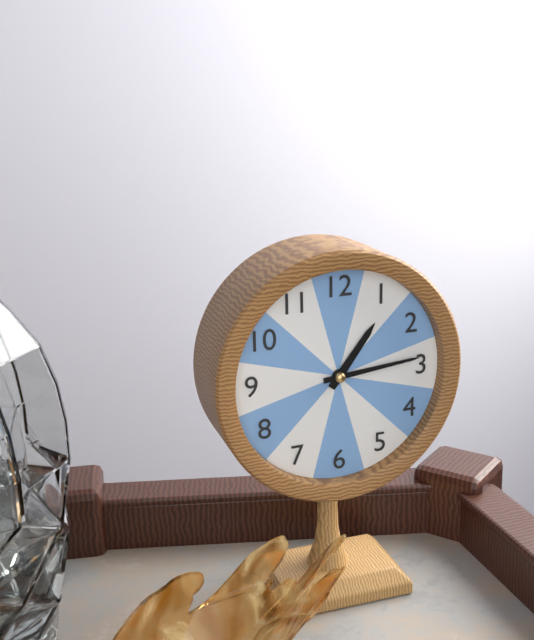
1.14
